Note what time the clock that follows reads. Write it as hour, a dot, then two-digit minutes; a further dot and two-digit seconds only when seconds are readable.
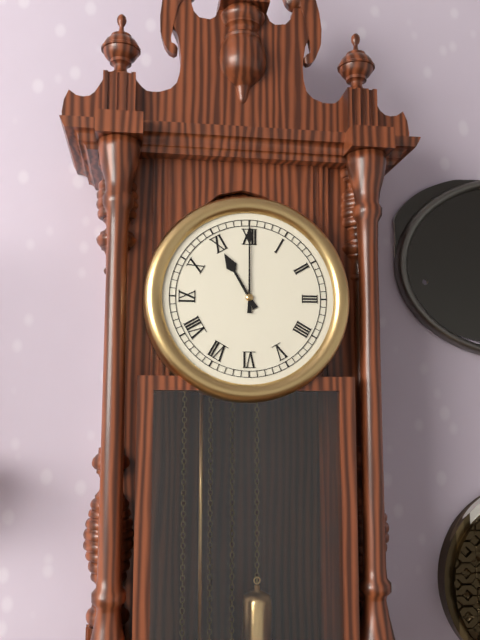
11.00
